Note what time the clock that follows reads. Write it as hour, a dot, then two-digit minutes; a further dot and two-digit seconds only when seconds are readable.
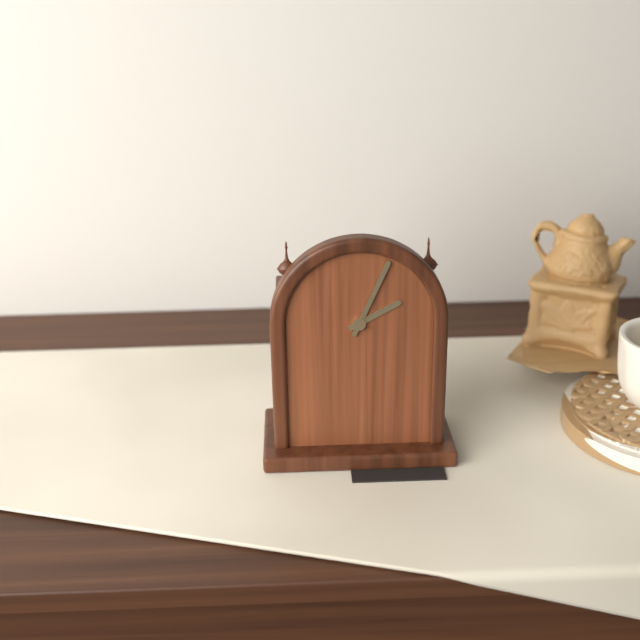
2.04
